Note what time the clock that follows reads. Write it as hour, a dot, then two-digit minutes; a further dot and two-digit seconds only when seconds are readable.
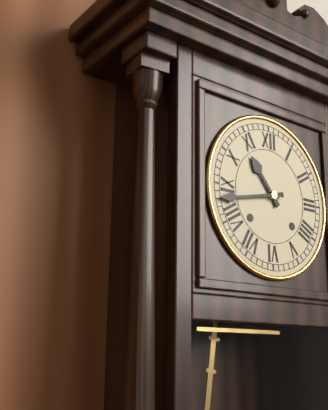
10.43
